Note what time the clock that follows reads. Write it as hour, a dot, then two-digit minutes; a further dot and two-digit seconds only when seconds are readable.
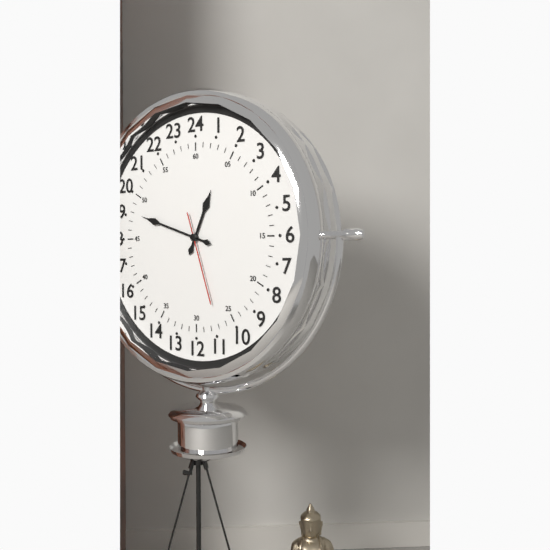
12.48.27
